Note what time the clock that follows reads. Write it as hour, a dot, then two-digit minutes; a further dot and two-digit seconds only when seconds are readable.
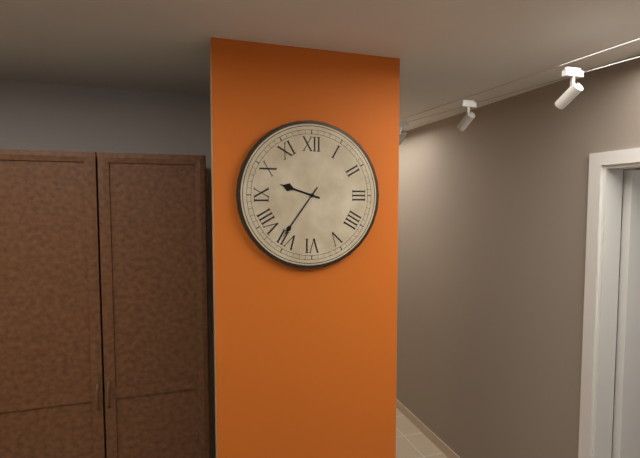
9.36
